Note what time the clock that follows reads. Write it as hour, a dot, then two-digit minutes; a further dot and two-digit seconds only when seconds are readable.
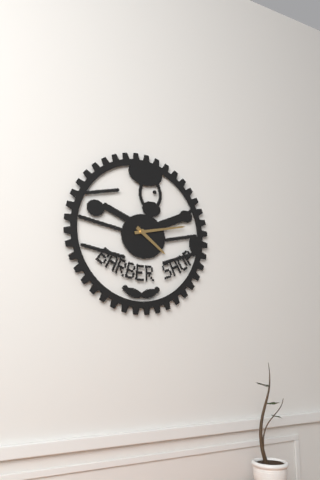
4.13
